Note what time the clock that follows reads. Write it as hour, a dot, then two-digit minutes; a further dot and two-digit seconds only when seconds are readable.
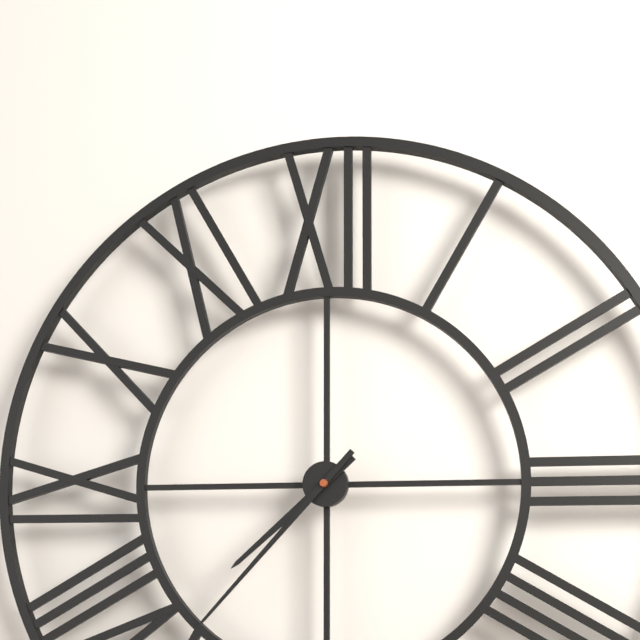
7.37
